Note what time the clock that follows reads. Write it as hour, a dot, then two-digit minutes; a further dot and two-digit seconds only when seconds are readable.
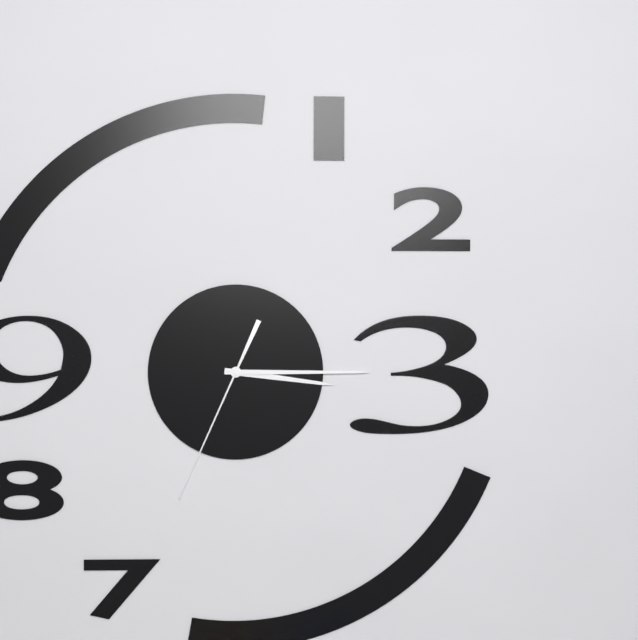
3.15.34
